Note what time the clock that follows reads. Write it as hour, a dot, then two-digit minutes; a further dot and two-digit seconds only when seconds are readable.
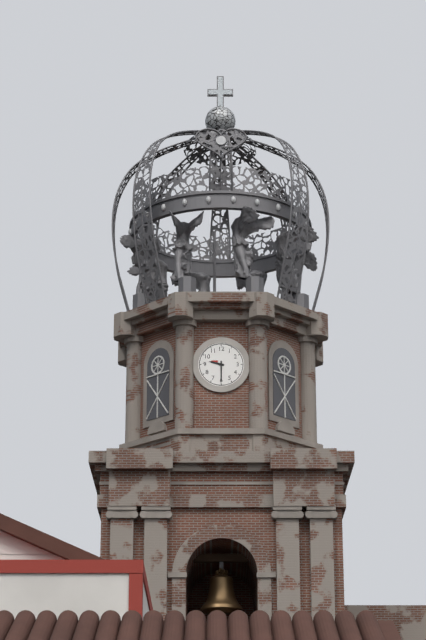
9.30
